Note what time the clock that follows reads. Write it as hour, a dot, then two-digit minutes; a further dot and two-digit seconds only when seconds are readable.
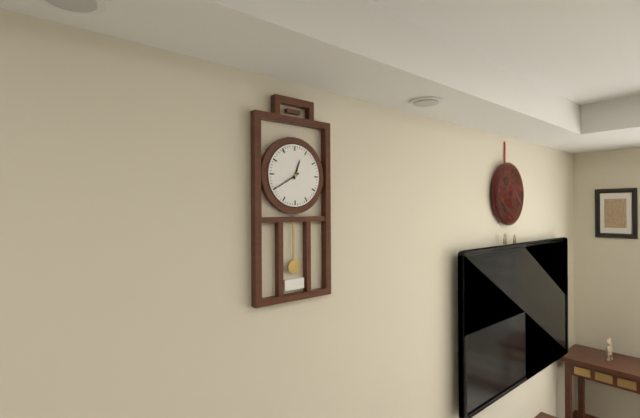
12.40
